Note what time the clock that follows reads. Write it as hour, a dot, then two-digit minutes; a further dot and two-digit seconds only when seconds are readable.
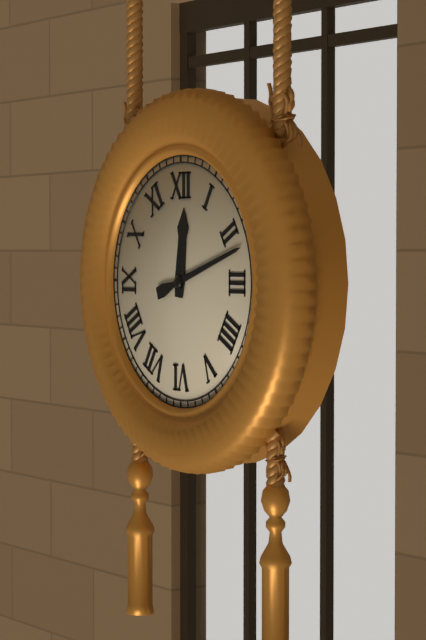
12.12
